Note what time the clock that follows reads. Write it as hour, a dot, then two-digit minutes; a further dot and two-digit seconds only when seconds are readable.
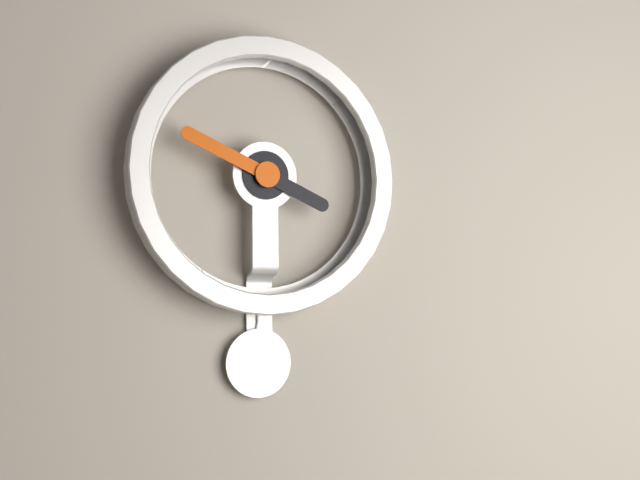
3.49
